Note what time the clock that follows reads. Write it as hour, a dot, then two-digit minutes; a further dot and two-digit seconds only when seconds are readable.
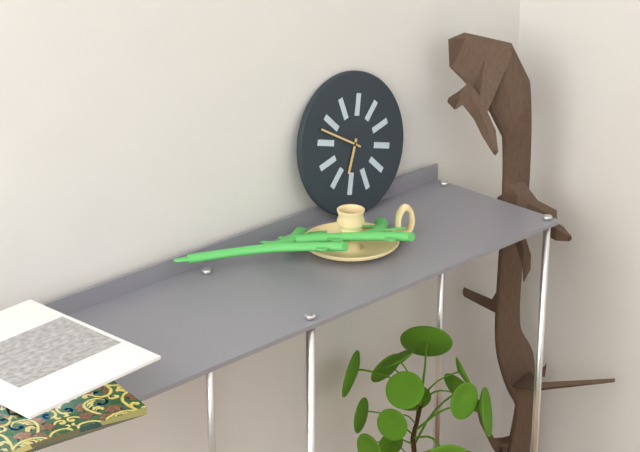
6.50
